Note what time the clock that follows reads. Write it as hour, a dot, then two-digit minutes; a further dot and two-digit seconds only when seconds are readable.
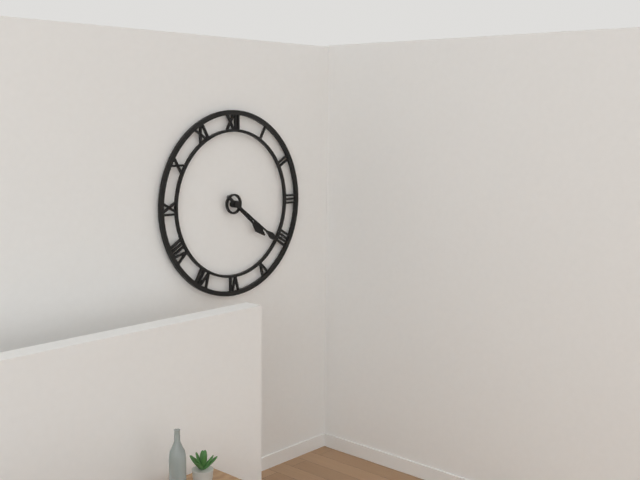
4.21
